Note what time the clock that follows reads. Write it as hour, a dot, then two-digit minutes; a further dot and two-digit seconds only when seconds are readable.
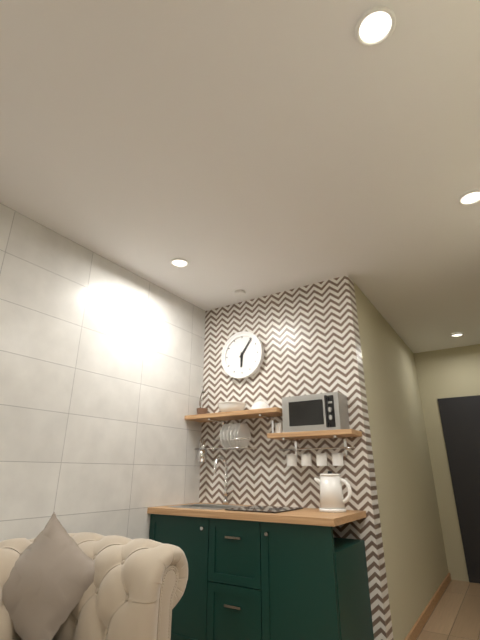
6.06
